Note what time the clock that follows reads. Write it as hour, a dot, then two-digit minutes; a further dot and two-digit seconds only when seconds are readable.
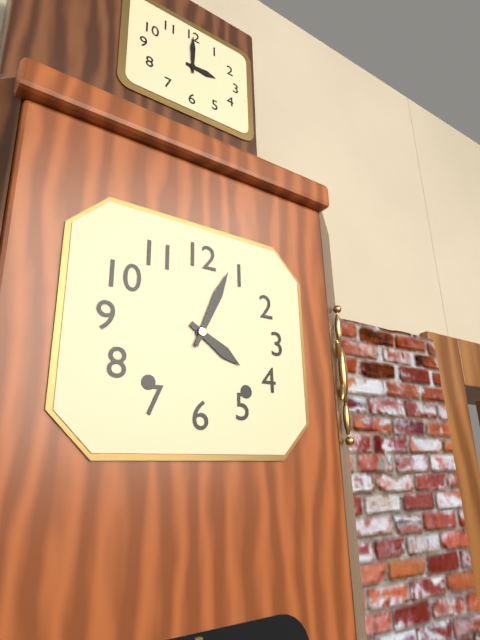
4.04
